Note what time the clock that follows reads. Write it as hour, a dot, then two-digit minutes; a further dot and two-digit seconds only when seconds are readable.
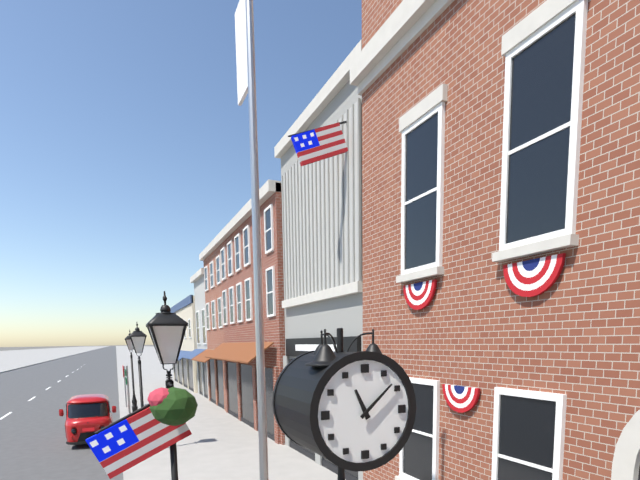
11.08
